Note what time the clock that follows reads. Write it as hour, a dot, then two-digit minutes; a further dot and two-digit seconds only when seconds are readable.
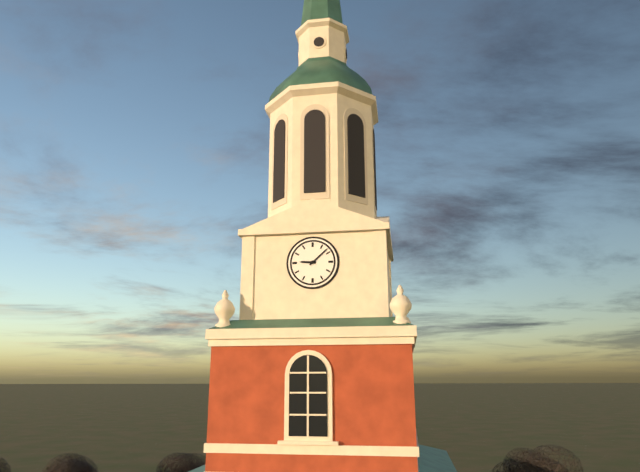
9.08
